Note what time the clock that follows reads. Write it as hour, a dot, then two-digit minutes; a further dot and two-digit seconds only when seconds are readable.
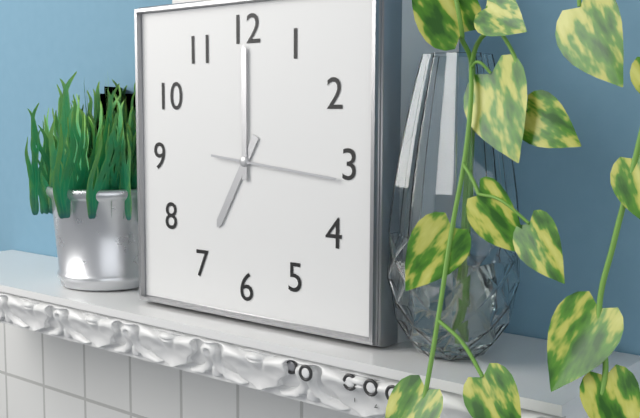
7.00.16
